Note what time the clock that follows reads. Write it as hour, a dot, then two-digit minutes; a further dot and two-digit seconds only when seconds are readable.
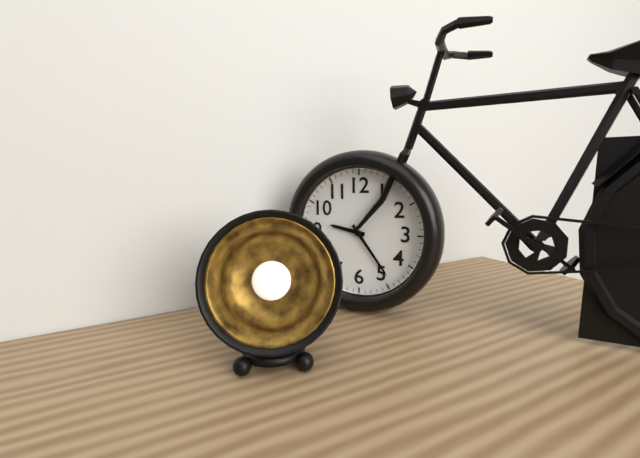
9.24
